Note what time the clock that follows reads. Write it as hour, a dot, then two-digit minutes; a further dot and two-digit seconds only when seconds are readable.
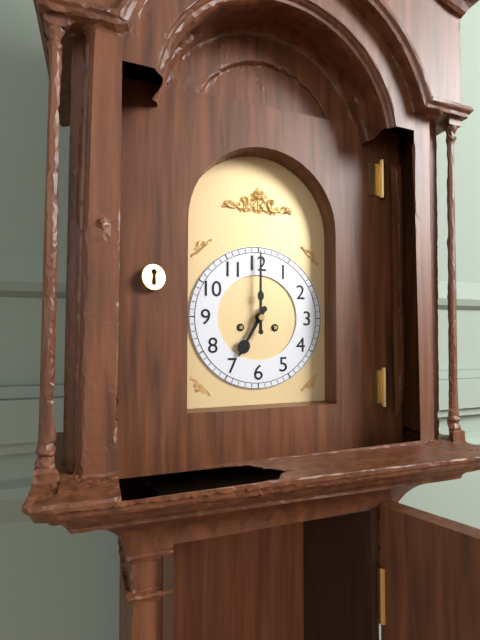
7.00
